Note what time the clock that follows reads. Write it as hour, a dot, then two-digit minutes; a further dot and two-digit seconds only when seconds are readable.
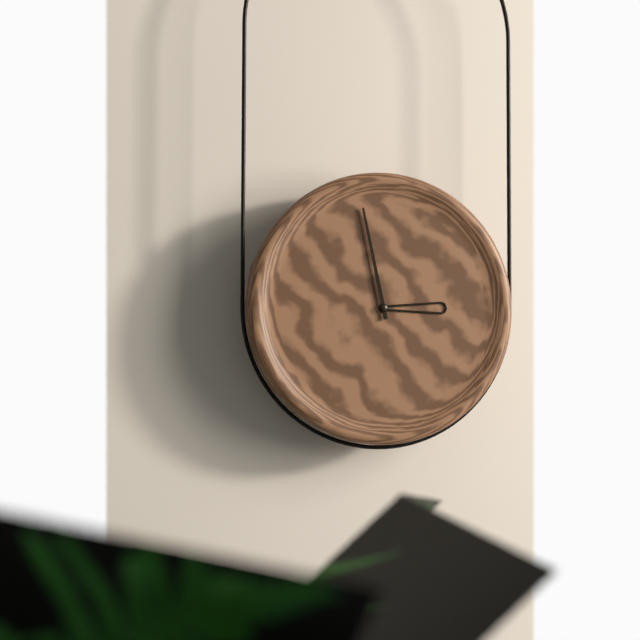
2.58
